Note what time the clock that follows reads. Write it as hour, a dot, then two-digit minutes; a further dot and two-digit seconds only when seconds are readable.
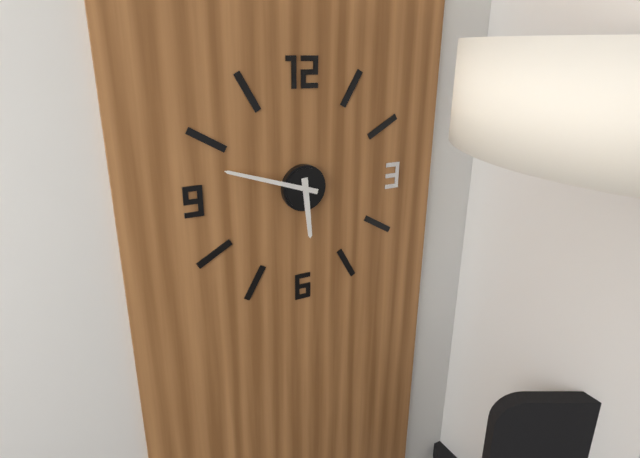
5.48
